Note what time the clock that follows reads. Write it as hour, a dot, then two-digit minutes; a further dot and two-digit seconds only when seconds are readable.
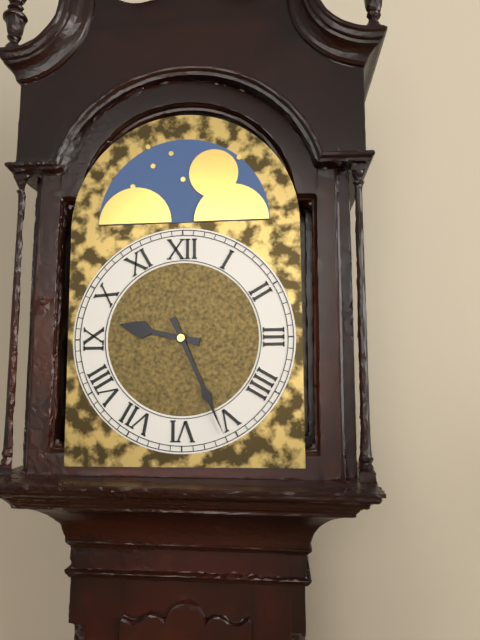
9.26
